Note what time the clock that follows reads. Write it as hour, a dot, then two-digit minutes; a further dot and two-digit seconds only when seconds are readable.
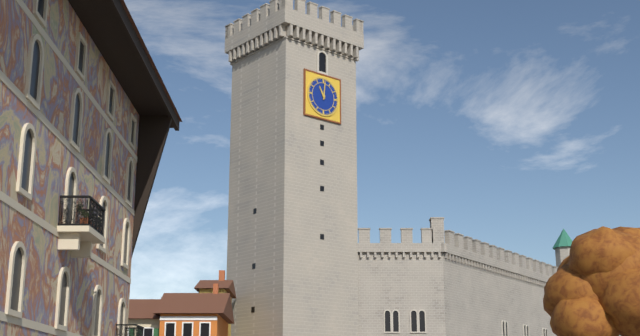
11.01
